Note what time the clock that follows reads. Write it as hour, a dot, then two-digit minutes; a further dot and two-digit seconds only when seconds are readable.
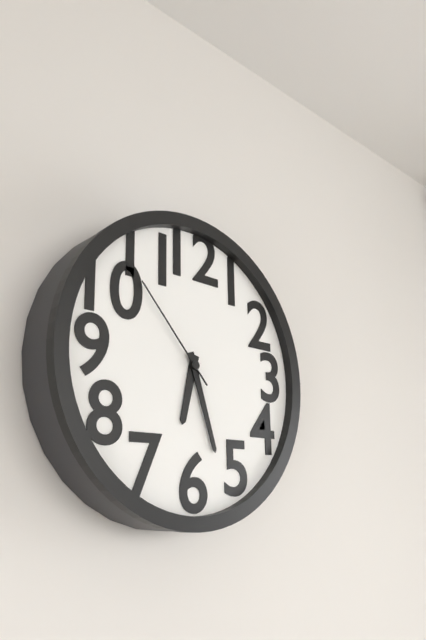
6.27.53
